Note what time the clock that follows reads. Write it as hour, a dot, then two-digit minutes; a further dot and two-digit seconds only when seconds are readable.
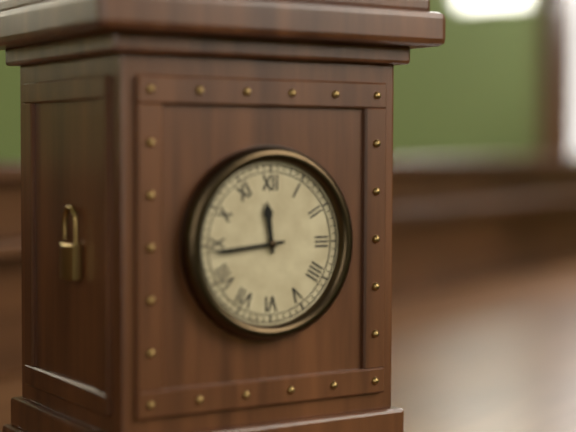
11.44
